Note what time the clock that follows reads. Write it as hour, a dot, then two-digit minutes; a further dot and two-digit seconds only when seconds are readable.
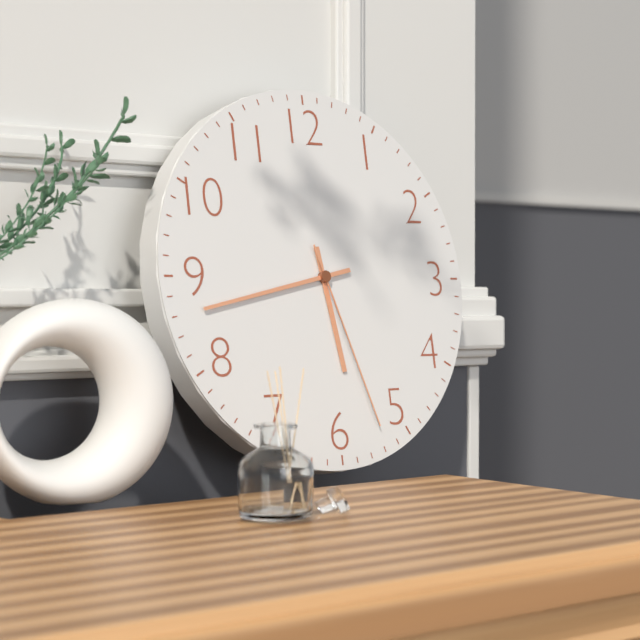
5.43.27
